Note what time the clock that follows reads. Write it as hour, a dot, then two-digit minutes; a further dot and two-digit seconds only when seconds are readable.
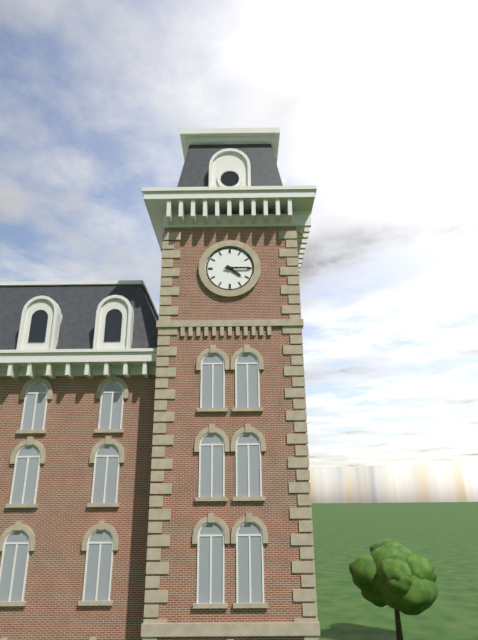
4.15
